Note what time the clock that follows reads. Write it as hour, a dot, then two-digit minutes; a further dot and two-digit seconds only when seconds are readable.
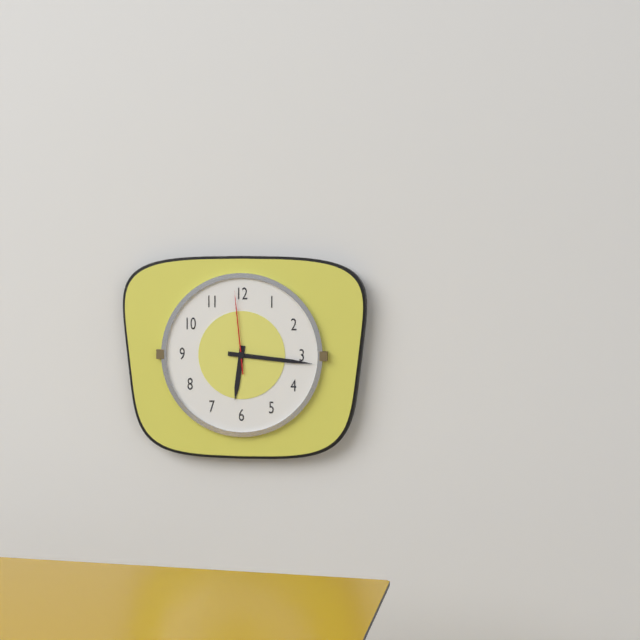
6.16.59
